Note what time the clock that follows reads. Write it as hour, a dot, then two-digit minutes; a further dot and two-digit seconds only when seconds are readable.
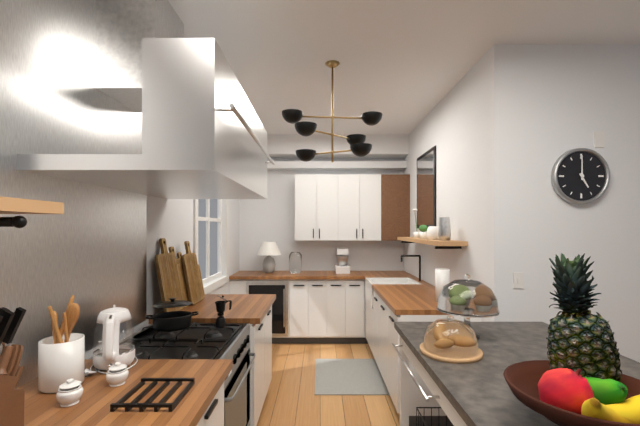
5.00
